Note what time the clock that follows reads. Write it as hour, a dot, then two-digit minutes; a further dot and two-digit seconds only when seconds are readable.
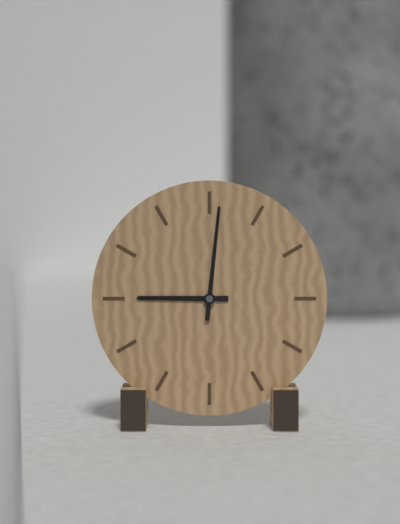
9.01
